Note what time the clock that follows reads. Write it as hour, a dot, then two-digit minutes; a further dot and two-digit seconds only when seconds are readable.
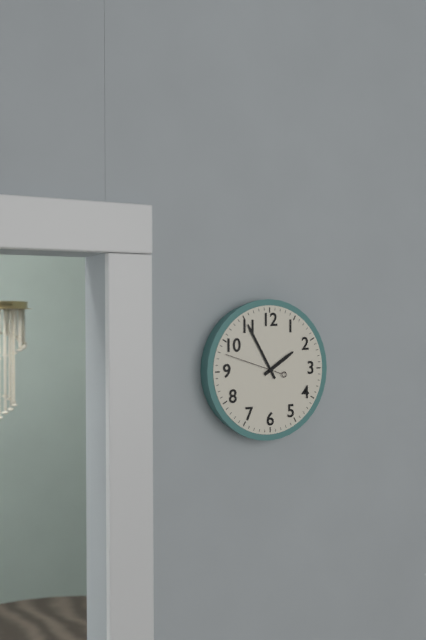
1.55.48
